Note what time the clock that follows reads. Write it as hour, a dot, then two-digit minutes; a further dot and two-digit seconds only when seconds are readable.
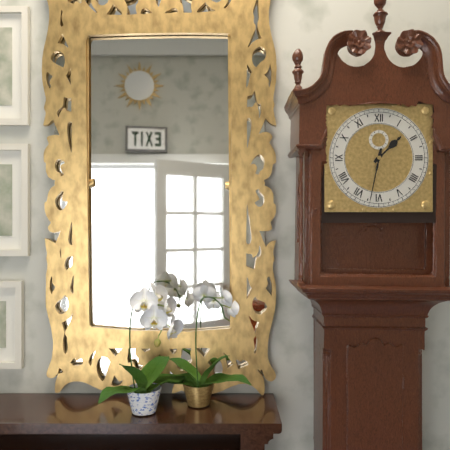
1.32
